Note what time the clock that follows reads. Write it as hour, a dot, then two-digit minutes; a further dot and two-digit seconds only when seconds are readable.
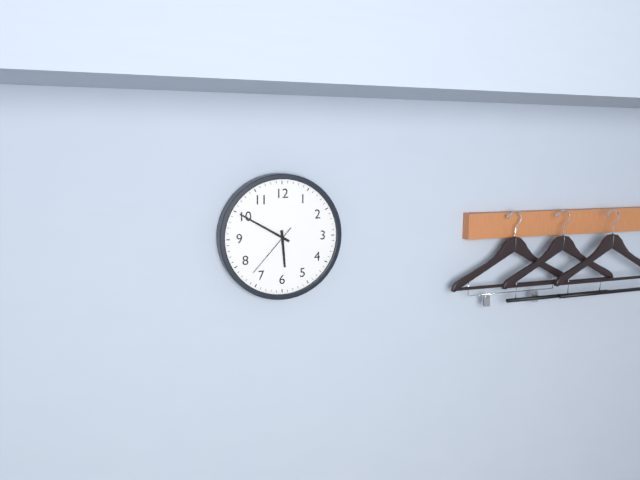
5.50.37
